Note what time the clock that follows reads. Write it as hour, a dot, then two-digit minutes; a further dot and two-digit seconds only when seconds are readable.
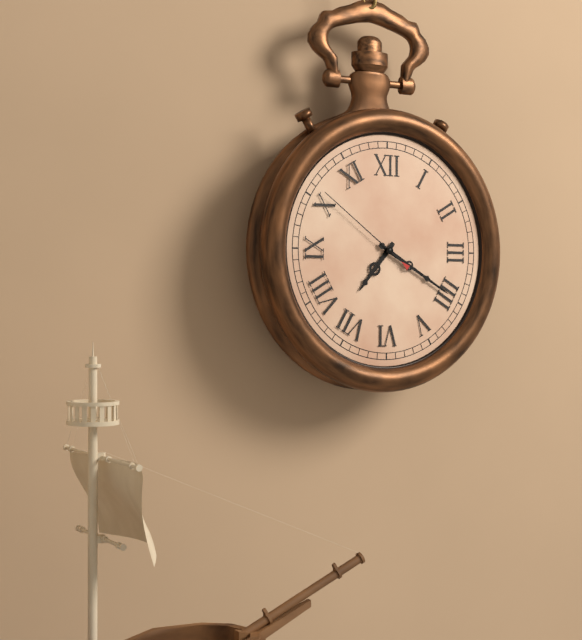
7.20.51
